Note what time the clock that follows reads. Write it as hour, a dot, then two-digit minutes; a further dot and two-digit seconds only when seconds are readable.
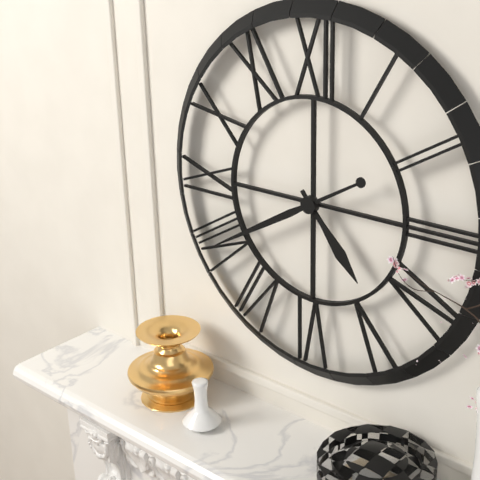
4.40
